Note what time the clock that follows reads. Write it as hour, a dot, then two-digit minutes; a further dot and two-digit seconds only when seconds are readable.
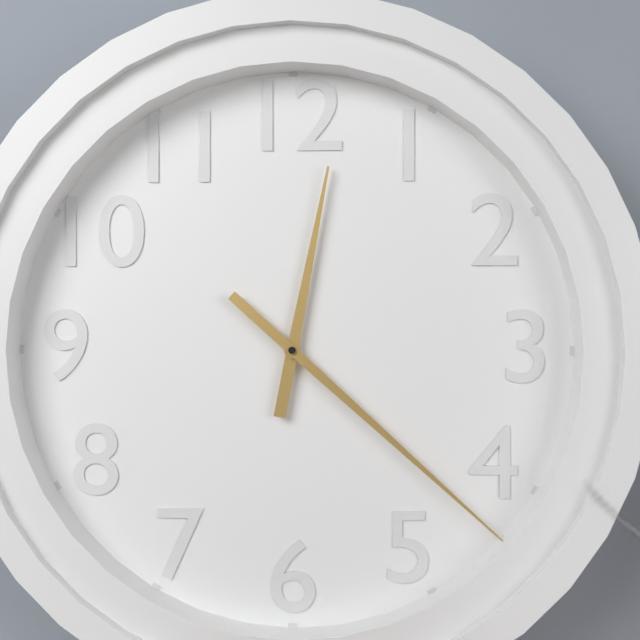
12.22
